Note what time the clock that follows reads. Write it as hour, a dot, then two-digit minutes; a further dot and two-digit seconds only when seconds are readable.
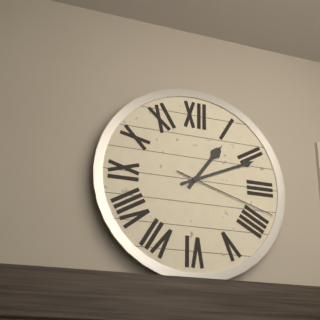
1.11.18
